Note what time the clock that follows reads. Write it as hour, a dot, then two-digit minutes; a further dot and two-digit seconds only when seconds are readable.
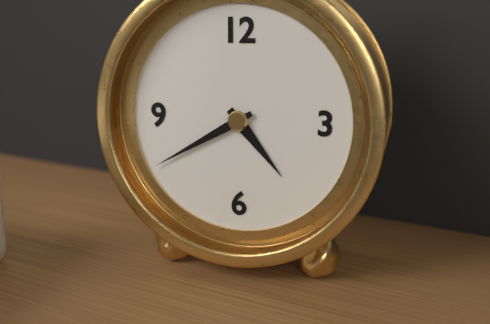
4.40
